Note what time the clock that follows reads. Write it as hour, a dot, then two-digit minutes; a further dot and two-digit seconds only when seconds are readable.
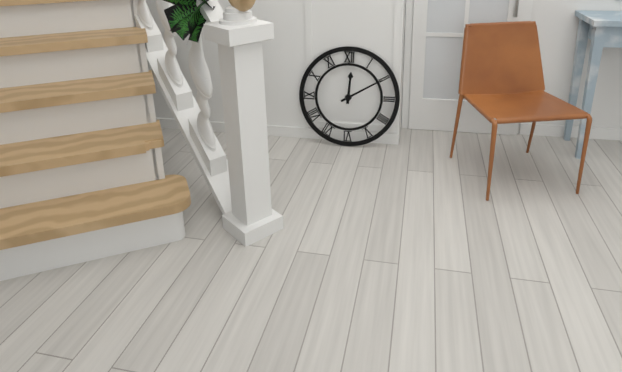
12.10
